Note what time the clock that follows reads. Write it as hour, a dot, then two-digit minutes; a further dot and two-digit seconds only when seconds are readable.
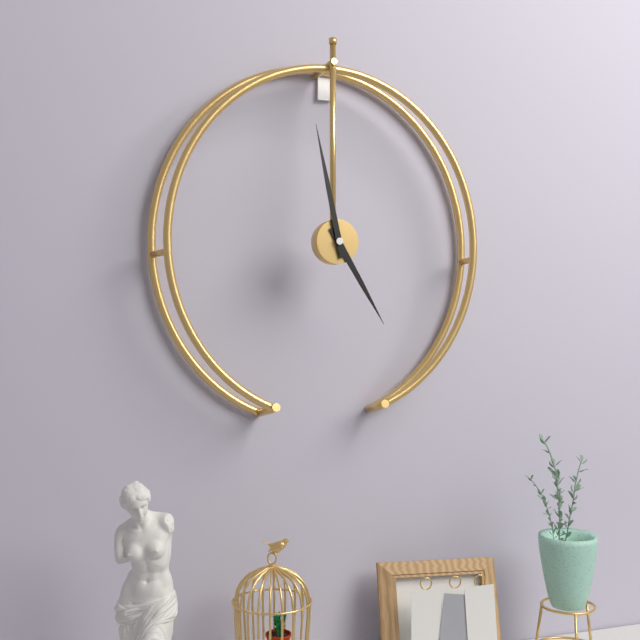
4.58
